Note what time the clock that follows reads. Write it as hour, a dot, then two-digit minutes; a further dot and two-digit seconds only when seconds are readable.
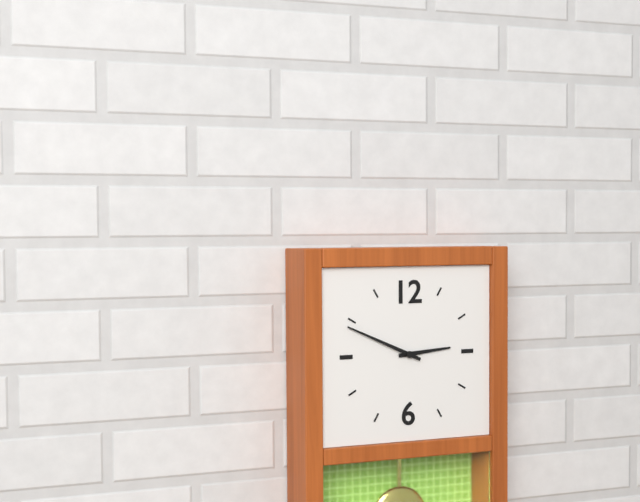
2.49
